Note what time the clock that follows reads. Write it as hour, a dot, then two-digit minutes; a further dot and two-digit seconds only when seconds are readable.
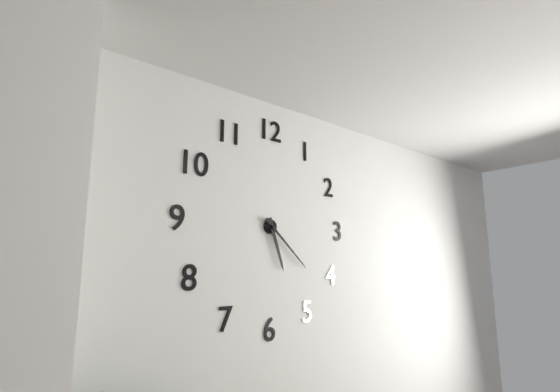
5.22
